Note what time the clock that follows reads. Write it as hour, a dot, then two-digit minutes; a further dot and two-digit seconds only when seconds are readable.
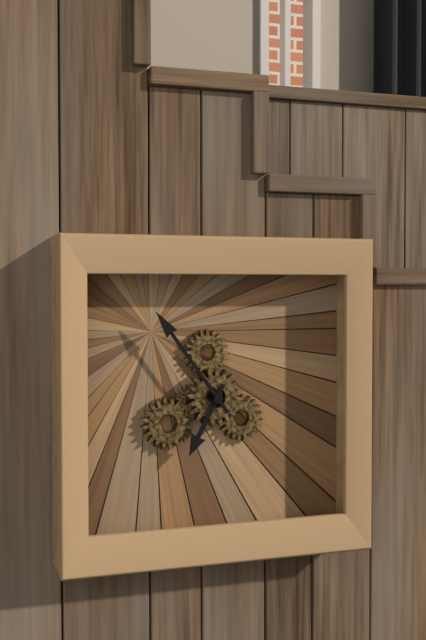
6.54
